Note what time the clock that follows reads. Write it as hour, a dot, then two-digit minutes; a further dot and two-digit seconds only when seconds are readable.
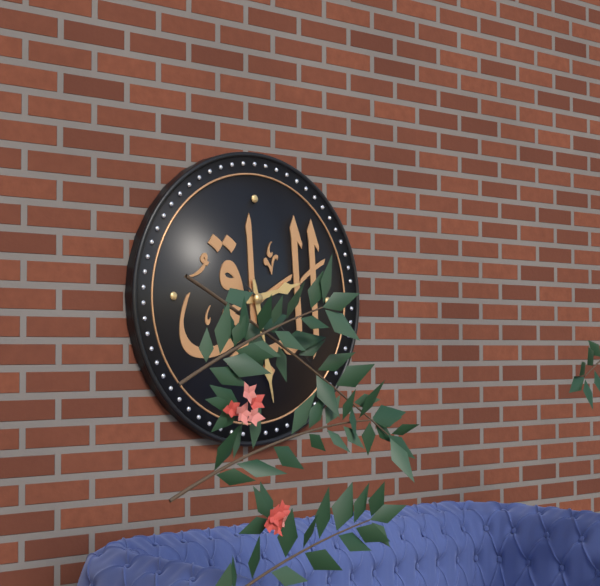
2.28
